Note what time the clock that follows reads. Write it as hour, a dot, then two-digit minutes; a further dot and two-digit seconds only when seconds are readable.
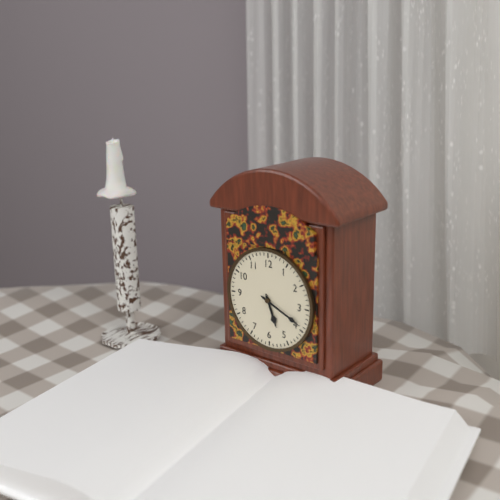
5.19
